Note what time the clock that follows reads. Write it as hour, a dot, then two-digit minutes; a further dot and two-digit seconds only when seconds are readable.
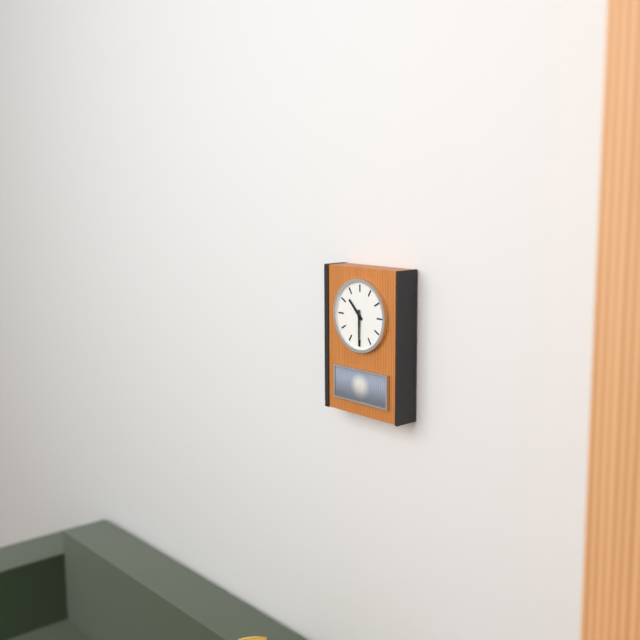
10.30
